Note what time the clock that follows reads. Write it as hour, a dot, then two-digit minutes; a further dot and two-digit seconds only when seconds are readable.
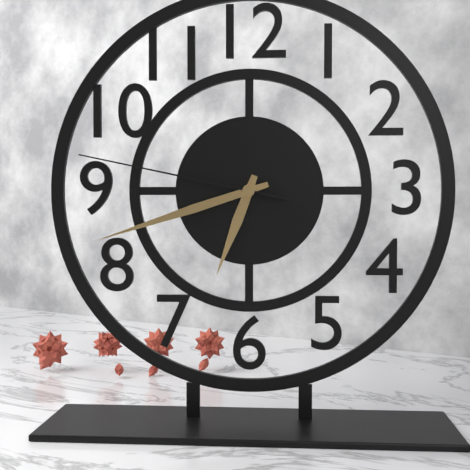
6.42.47
